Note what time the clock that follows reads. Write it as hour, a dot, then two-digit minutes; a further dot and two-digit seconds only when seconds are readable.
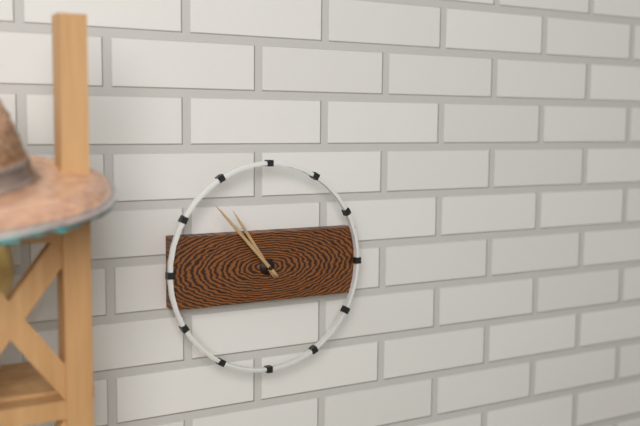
10.53
